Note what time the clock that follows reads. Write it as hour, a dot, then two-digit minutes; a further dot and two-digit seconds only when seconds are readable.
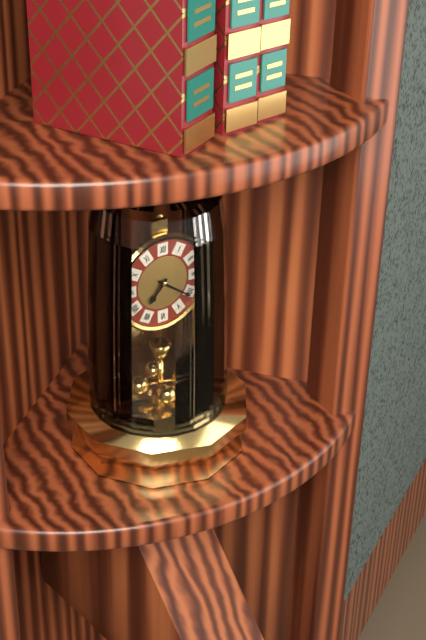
7.21
